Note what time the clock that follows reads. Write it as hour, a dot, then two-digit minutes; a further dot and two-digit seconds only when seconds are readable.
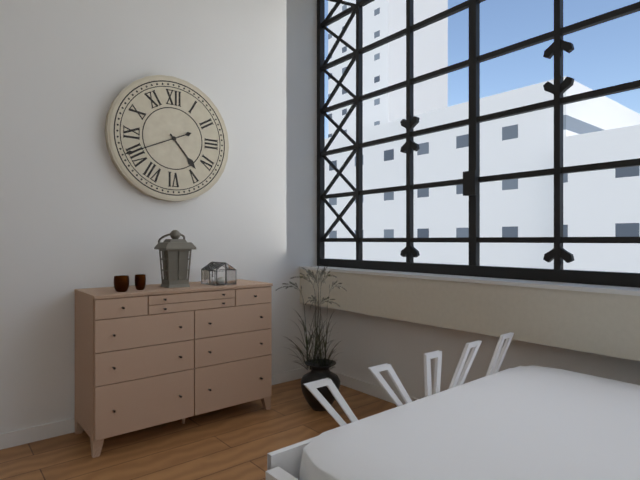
4.41
